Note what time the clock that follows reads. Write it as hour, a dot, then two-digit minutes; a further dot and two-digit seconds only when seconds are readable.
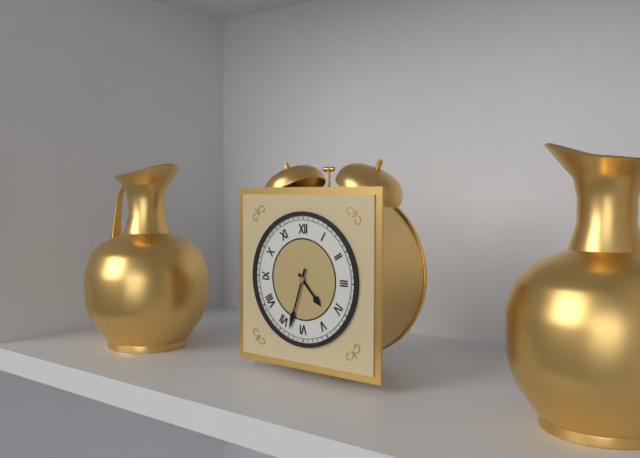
4.33
